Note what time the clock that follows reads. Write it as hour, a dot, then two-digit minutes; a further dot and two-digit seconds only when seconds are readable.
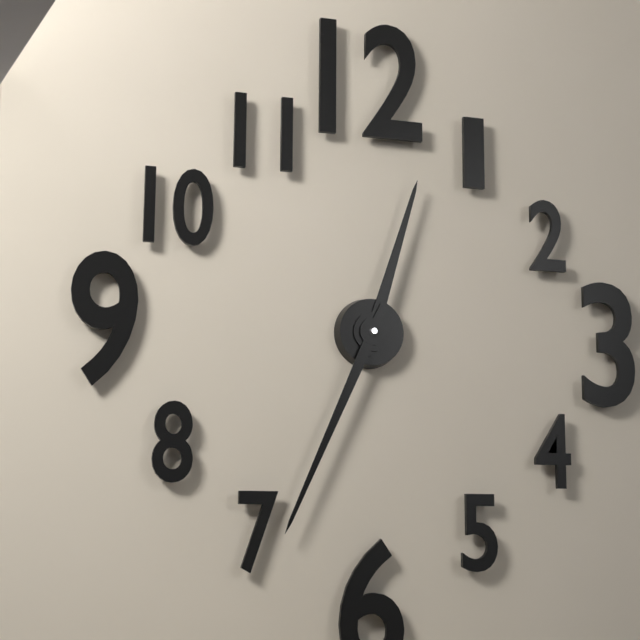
12.34
